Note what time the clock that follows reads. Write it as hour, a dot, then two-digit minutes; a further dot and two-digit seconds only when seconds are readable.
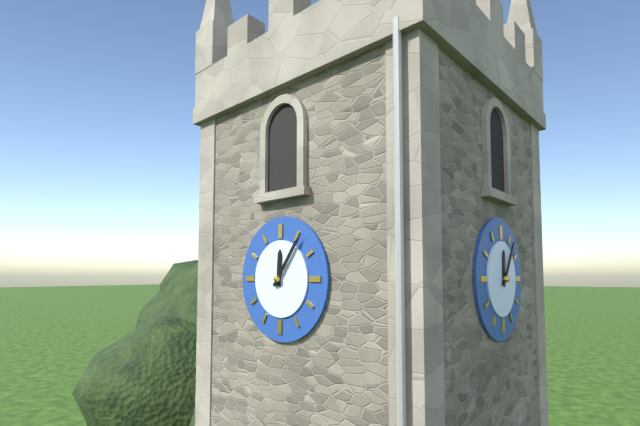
12.06
